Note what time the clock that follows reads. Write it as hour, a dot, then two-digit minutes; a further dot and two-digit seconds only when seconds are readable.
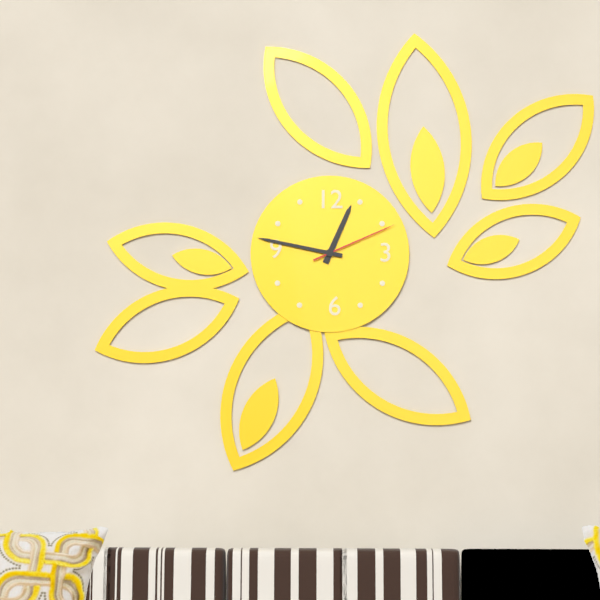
12.47.11
